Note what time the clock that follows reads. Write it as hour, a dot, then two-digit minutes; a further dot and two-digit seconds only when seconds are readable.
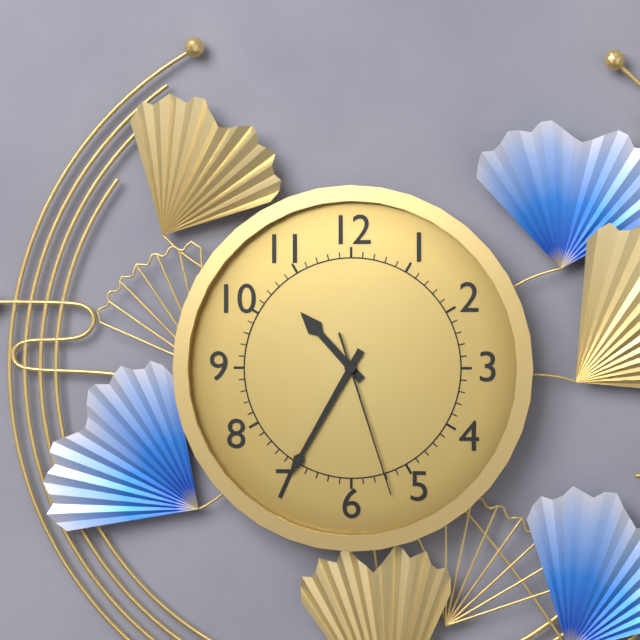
10.35.27
